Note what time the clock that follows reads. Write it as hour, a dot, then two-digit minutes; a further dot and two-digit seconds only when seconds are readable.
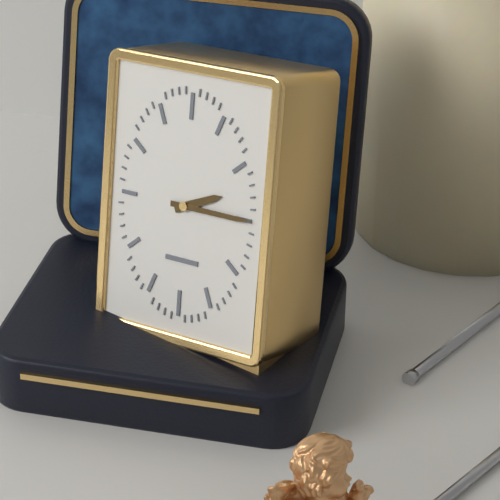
2.15
